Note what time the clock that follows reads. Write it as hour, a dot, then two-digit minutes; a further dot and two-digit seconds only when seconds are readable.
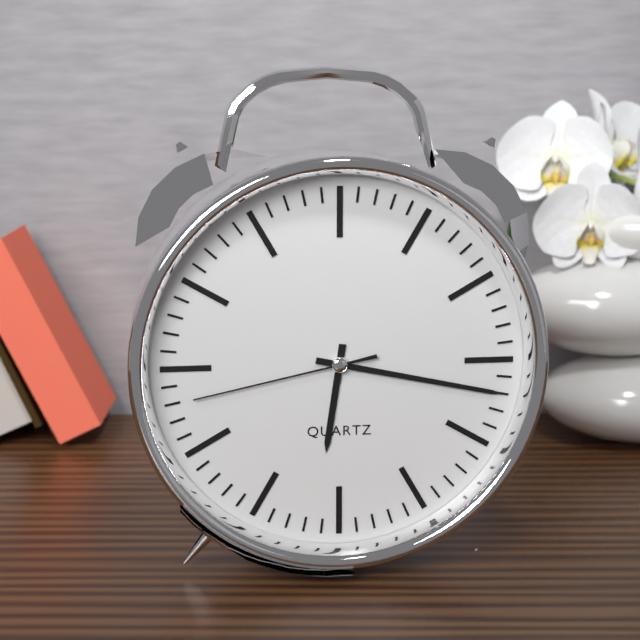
6.17.43
